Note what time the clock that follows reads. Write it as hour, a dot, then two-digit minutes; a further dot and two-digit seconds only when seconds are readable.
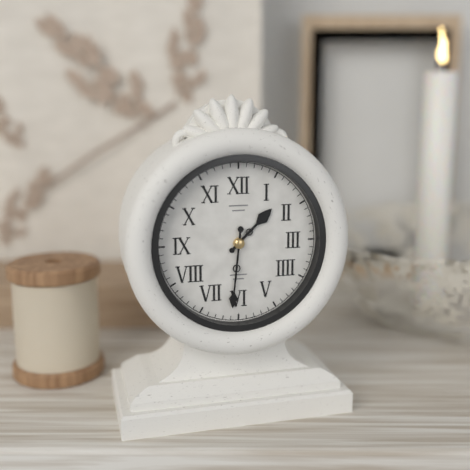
1.31
